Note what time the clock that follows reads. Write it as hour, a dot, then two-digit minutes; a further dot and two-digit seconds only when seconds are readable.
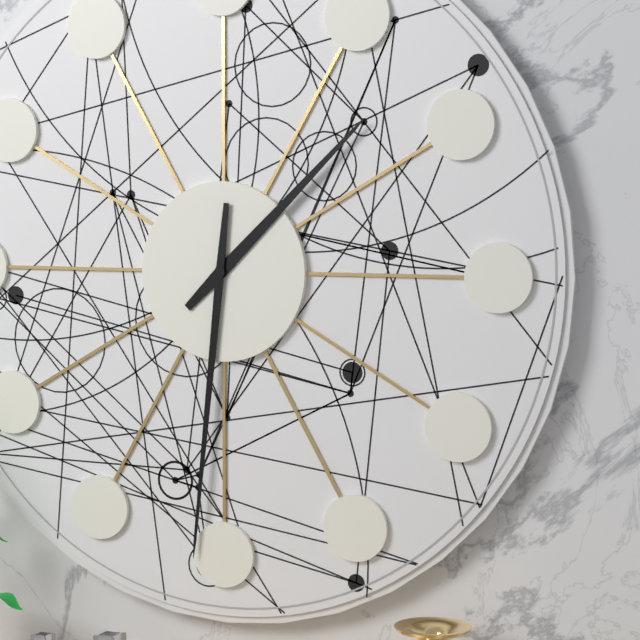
1.31
